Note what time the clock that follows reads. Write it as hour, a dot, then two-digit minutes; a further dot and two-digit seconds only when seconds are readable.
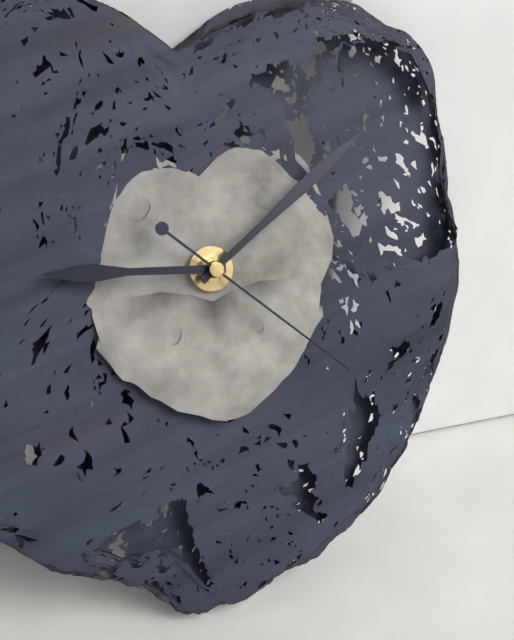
9.09.22
